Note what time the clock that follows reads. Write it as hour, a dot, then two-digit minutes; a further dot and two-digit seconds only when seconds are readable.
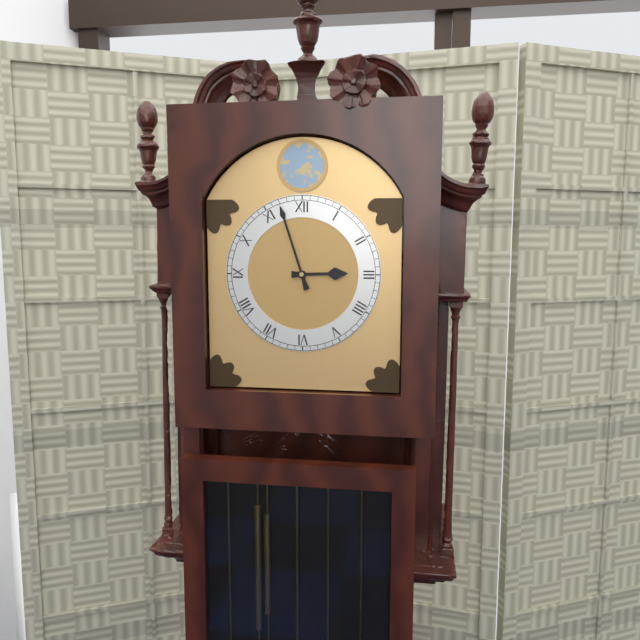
2.57
